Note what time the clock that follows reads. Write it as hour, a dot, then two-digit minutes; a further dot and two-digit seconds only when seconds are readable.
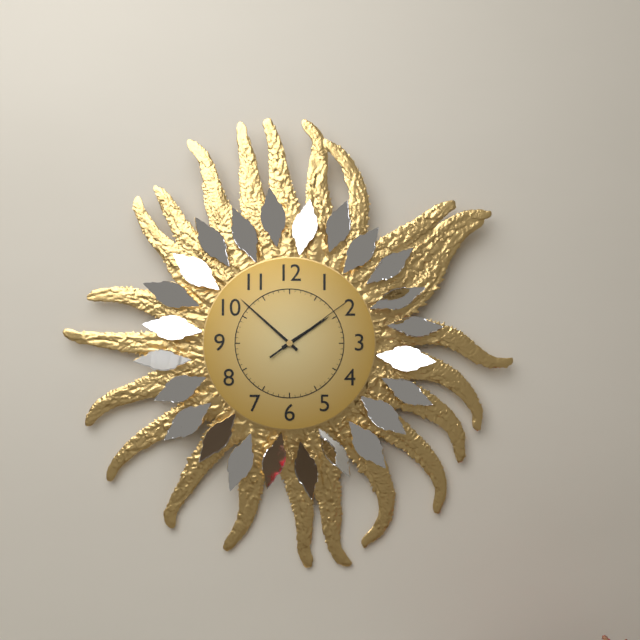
1.52.09
